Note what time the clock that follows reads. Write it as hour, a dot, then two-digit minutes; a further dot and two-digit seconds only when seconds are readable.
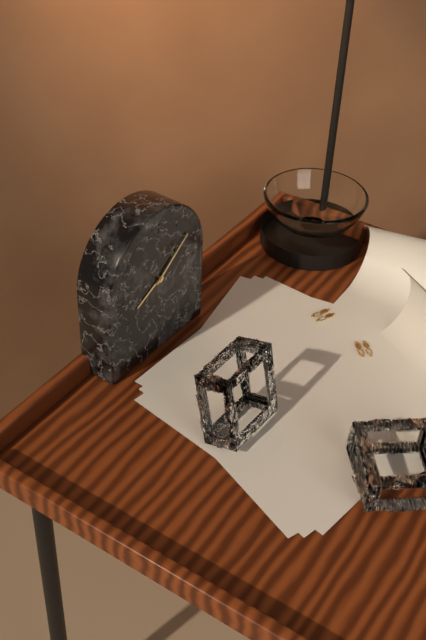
8.09
